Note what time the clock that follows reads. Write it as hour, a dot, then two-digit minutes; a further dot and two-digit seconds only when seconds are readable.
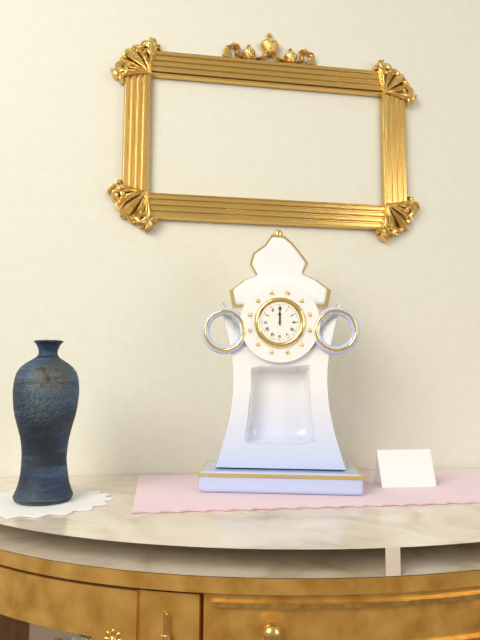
12.00
